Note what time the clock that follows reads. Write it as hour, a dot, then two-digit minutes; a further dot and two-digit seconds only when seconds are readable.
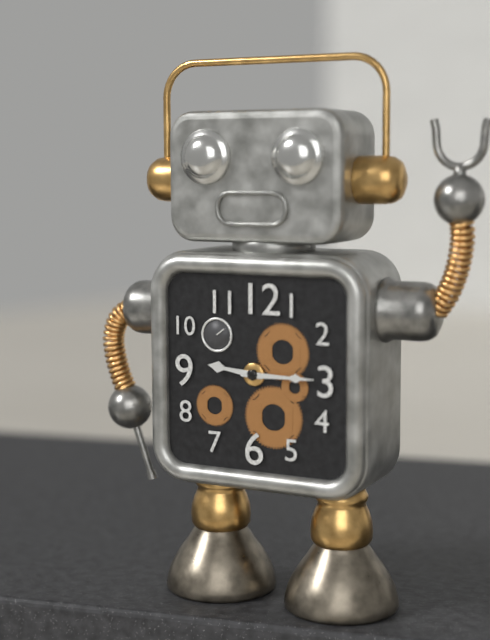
9.15
